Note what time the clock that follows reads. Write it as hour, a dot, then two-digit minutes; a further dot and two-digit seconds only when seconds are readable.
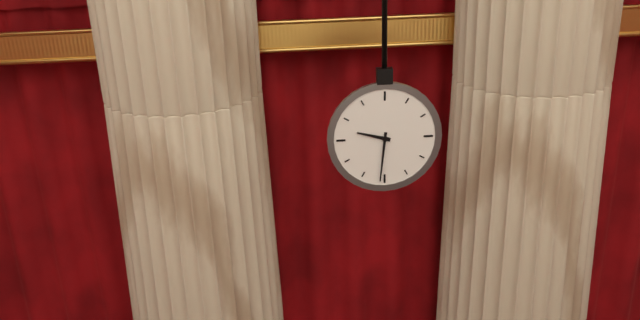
9.31
